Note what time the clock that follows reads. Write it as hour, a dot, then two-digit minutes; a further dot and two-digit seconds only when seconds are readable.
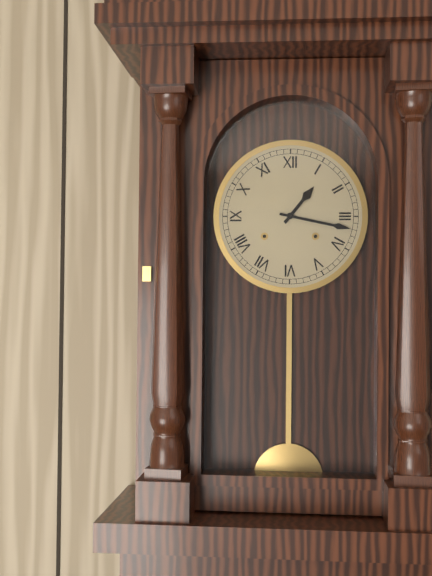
1.17
